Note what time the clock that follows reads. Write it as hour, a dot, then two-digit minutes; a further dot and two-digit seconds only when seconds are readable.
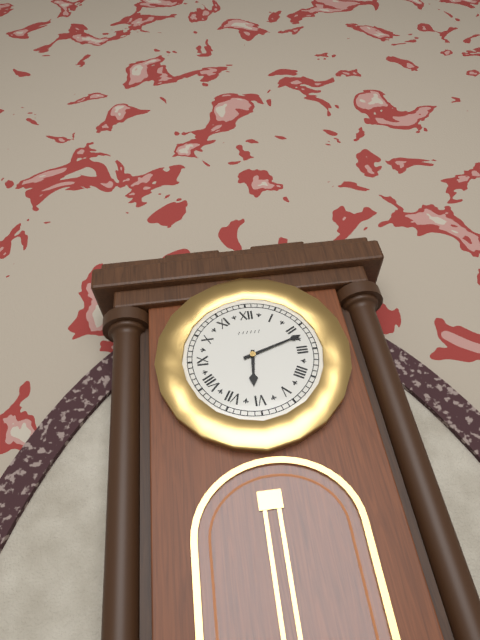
6.12
